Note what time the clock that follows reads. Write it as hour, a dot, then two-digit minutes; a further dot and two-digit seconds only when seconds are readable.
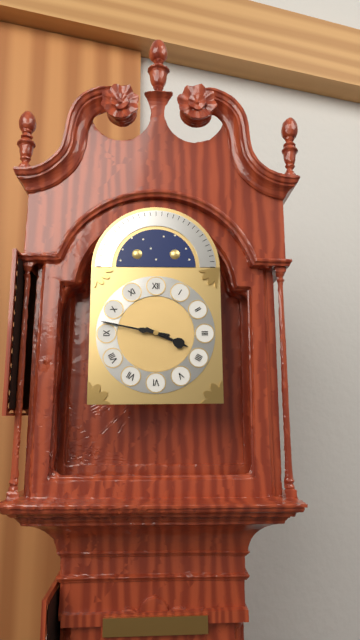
3.47
